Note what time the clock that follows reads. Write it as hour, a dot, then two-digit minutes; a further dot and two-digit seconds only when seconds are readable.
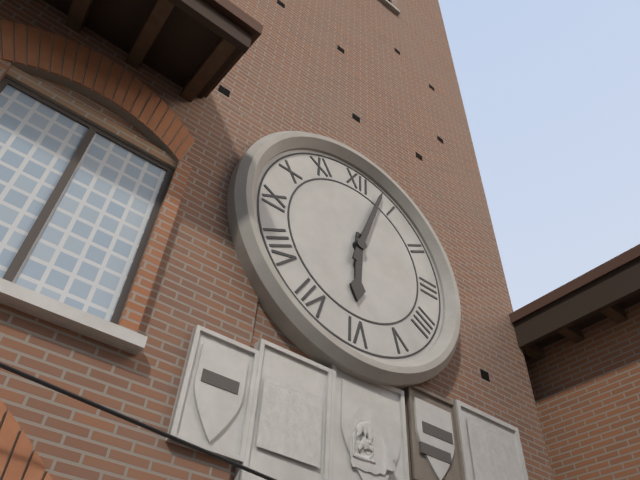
6.03
